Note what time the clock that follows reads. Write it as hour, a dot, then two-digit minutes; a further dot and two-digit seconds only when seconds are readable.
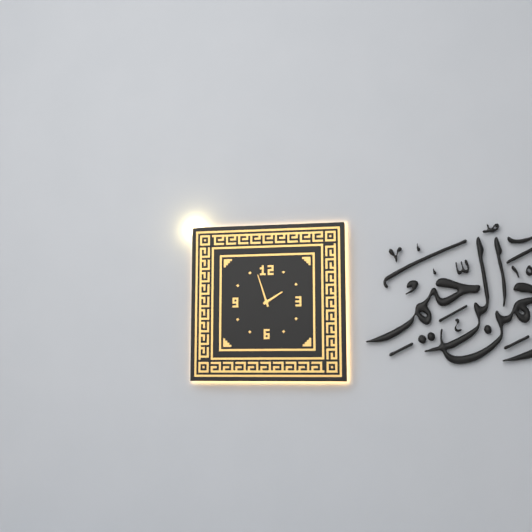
1.57
